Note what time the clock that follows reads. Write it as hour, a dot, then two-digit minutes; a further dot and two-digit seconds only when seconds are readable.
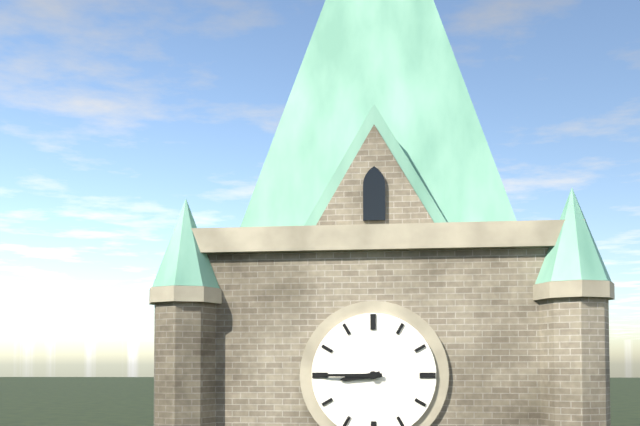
8.45
